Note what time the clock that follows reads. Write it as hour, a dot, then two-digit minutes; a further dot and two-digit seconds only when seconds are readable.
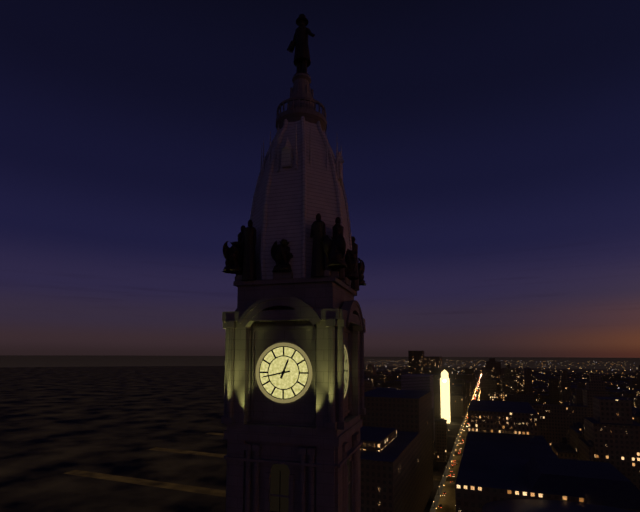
12.43
